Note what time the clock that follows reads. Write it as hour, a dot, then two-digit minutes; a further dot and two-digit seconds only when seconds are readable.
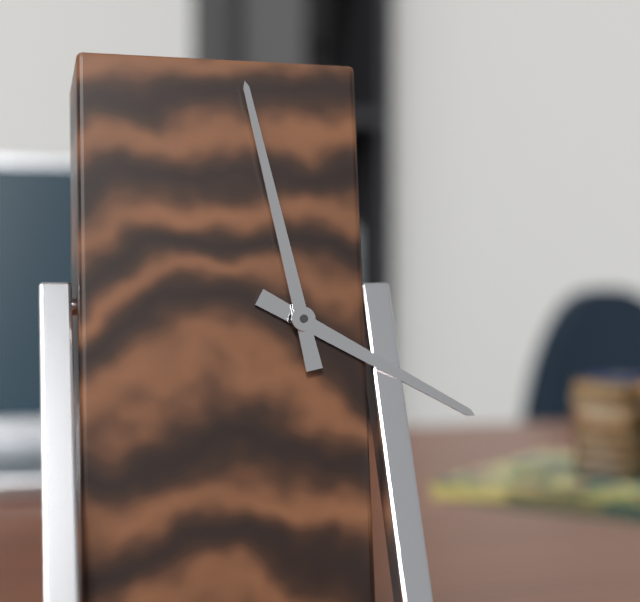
3.58
